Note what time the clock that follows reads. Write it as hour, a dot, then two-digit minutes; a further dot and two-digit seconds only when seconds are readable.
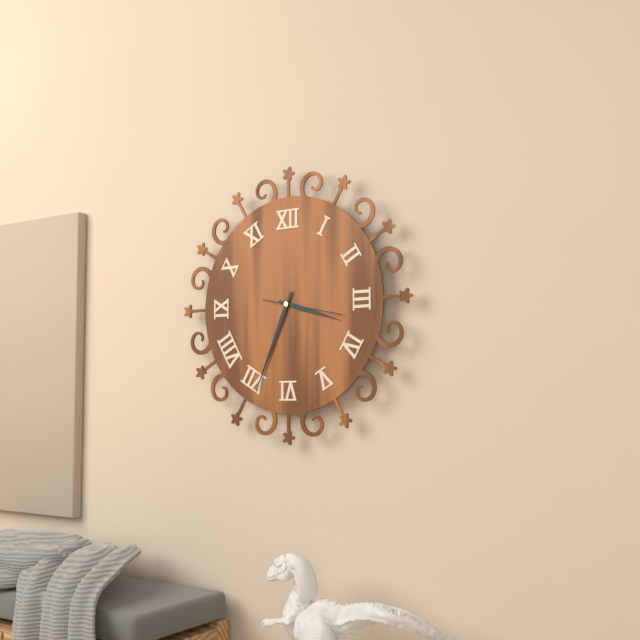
3.34.17
